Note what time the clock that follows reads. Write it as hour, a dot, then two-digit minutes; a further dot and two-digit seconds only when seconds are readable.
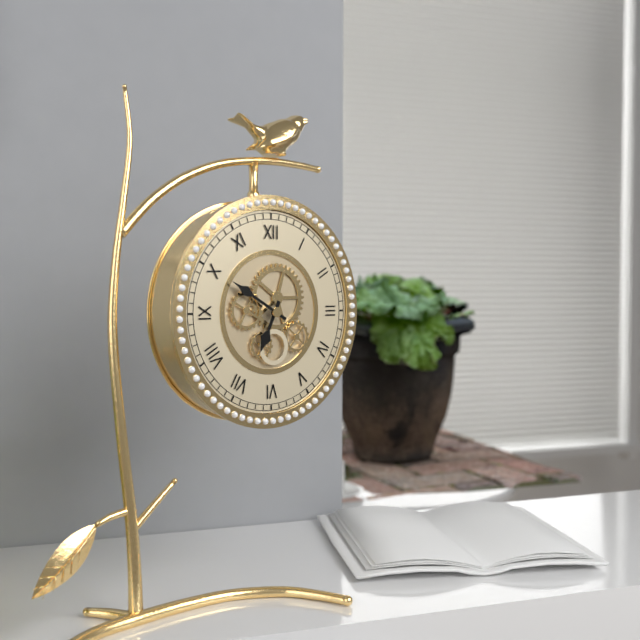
6.50
